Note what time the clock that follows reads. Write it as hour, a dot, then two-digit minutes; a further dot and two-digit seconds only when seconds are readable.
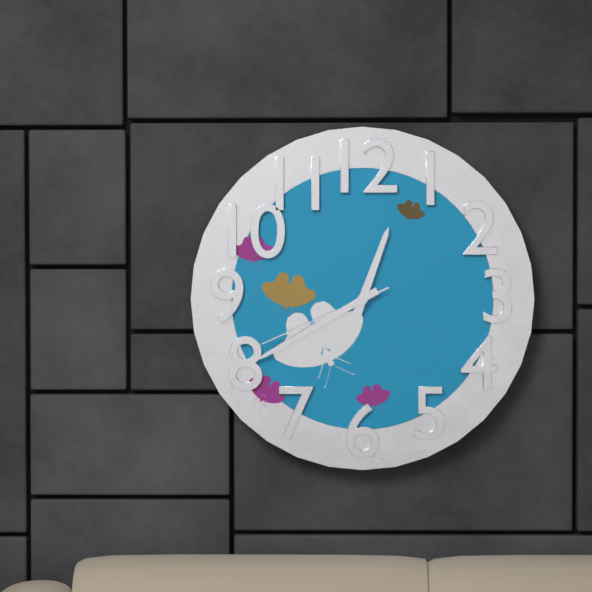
12.40.41
